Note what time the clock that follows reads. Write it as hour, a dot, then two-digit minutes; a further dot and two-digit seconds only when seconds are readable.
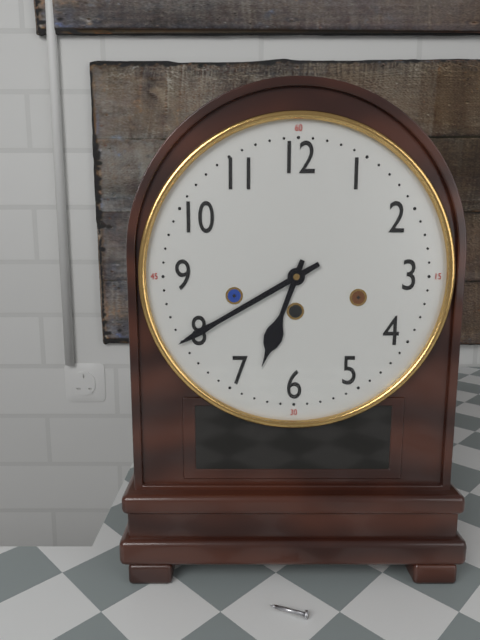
6.40
